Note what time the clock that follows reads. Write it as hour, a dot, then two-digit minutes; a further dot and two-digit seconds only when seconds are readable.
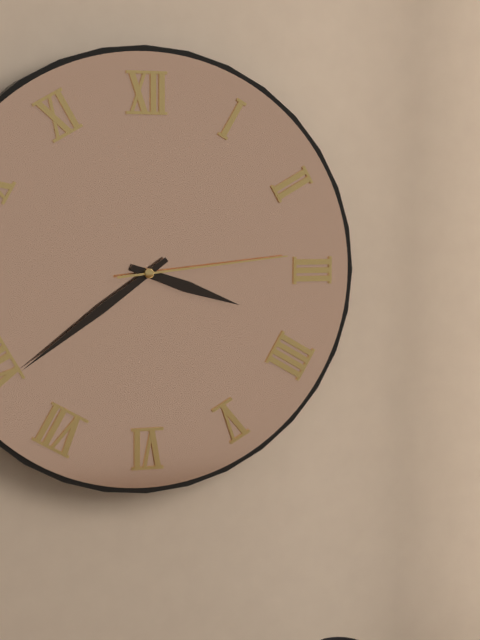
3.39.14
